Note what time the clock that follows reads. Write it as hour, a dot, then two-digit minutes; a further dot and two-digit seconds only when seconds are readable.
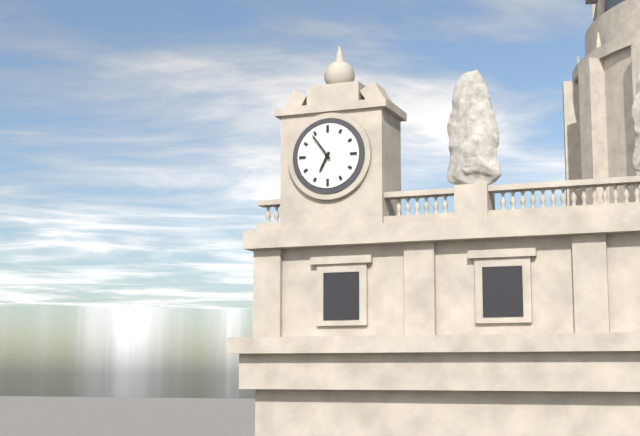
6.54
